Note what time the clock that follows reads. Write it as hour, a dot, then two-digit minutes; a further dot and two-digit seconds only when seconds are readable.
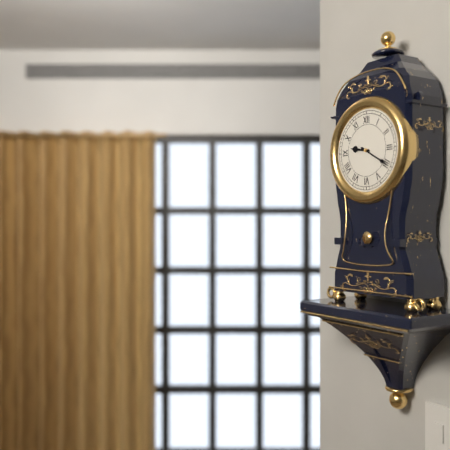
9.20
